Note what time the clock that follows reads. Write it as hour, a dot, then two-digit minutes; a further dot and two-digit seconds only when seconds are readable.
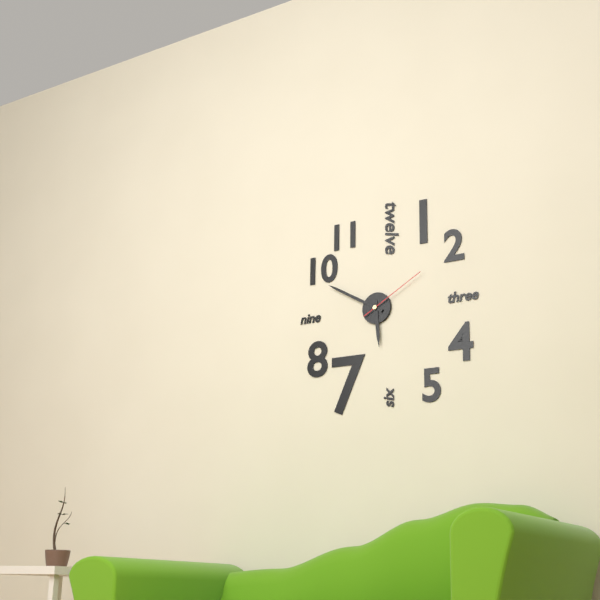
5.50.10
